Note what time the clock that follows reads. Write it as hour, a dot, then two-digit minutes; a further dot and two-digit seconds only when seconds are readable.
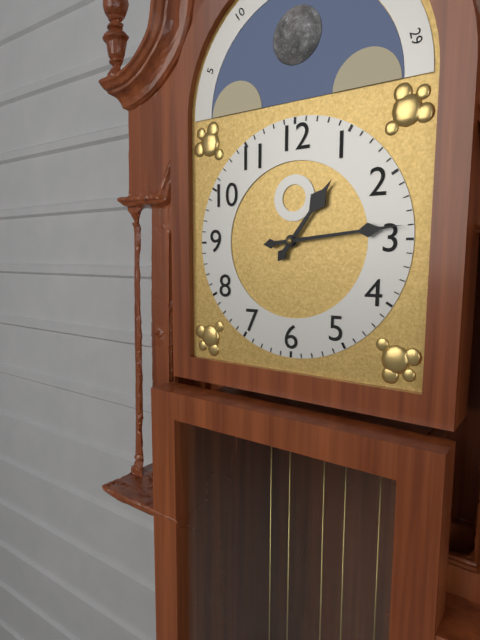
1.14
